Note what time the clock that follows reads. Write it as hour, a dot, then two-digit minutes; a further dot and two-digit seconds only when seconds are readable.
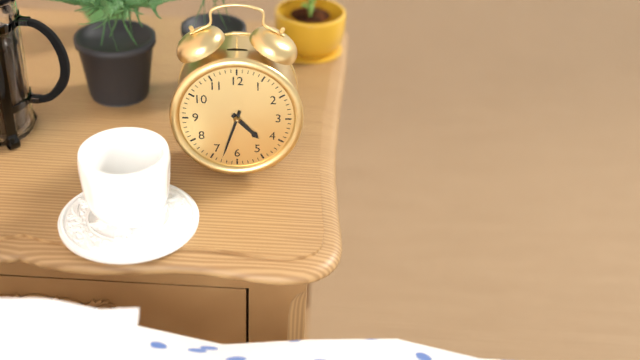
4.33
